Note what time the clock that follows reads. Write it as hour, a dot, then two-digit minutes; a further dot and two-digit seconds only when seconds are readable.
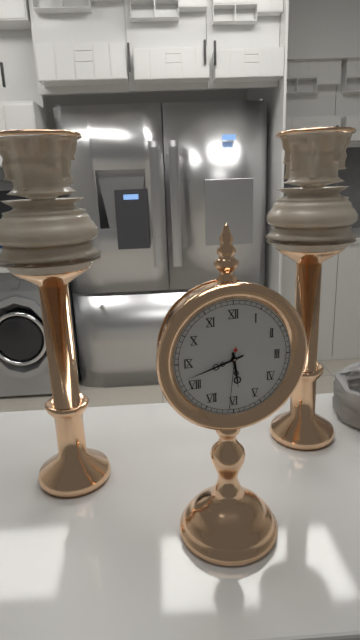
5.42.31
